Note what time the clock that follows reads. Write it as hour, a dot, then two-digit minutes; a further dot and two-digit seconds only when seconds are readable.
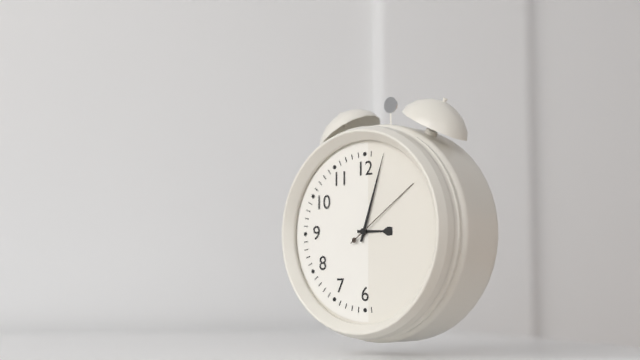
3.03.09
